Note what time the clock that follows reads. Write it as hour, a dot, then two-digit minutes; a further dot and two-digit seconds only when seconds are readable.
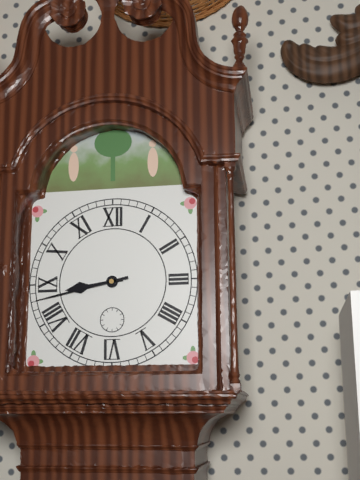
8.43
